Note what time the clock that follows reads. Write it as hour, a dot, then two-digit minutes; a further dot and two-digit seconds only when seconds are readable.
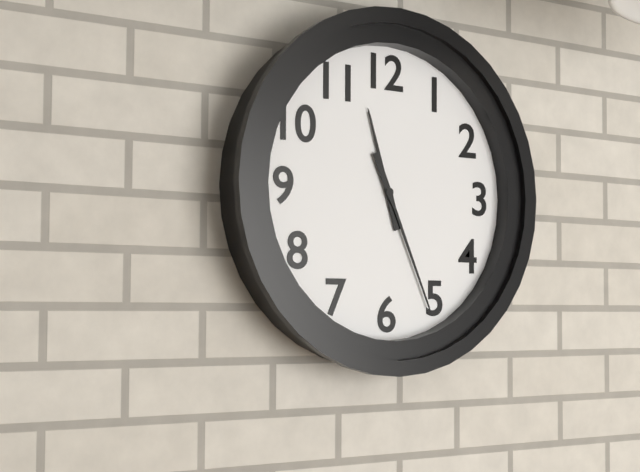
11.26
